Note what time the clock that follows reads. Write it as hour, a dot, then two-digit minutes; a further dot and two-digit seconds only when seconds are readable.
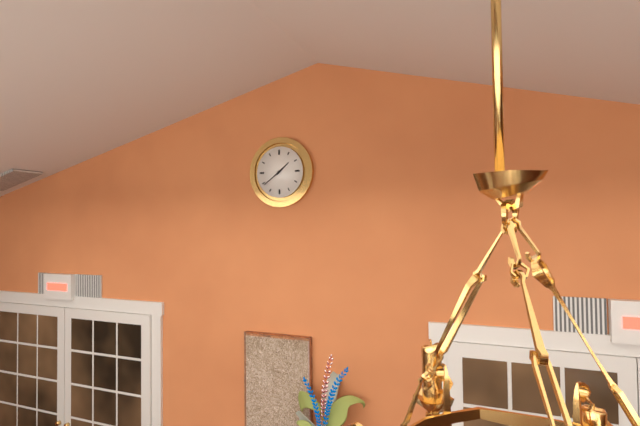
1.39
